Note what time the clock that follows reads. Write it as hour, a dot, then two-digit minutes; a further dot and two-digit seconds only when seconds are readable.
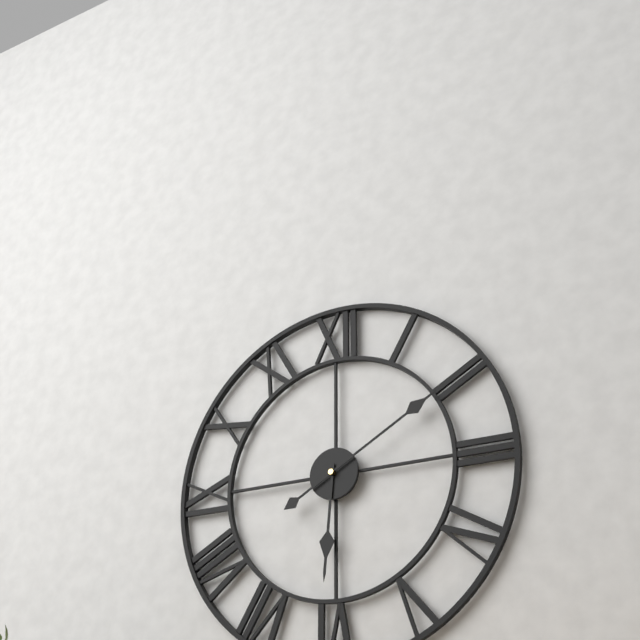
6.10
